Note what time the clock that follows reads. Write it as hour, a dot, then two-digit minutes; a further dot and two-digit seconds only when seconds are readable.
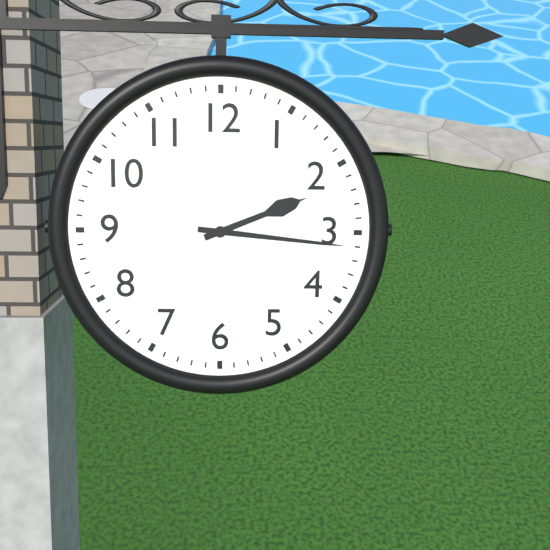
2.16
